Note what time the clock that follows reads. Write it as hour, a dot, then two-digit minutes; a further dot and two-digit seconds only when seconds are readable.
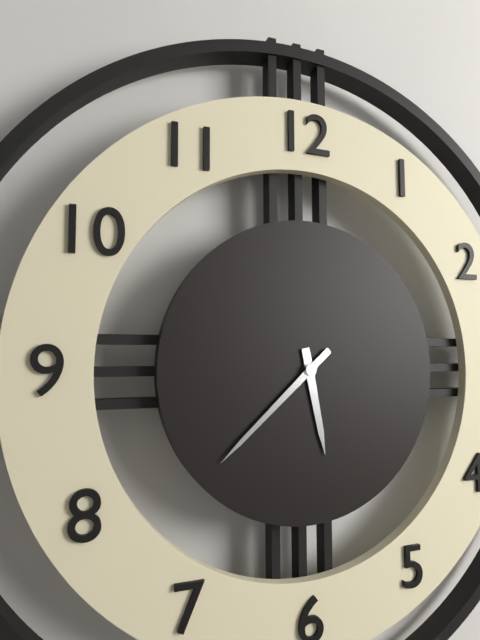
5.38
